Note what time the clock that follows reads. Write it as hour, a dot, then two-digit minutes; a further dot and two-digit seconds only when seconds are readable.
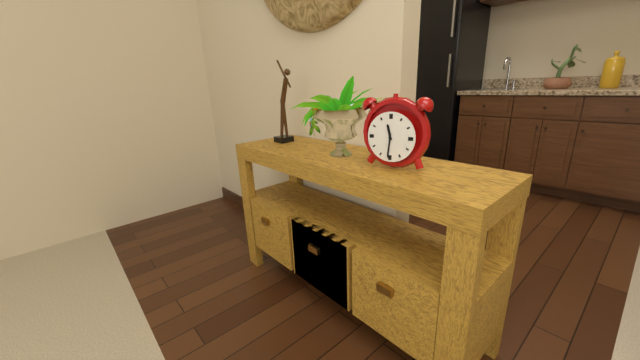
11.31
